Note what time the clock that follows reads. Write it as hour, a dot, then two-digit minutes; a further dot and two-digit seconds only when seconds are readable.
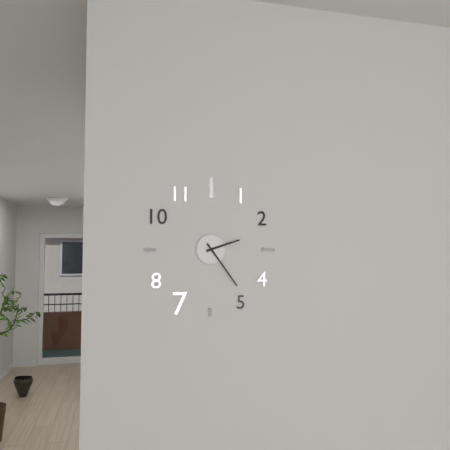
2.24
